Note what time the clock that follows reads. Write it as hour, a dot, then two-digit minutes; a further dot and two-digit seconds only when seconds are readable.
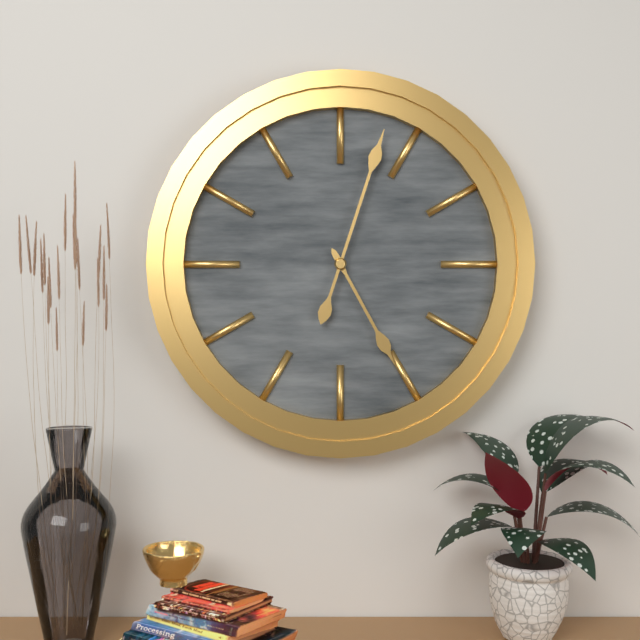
5.03
